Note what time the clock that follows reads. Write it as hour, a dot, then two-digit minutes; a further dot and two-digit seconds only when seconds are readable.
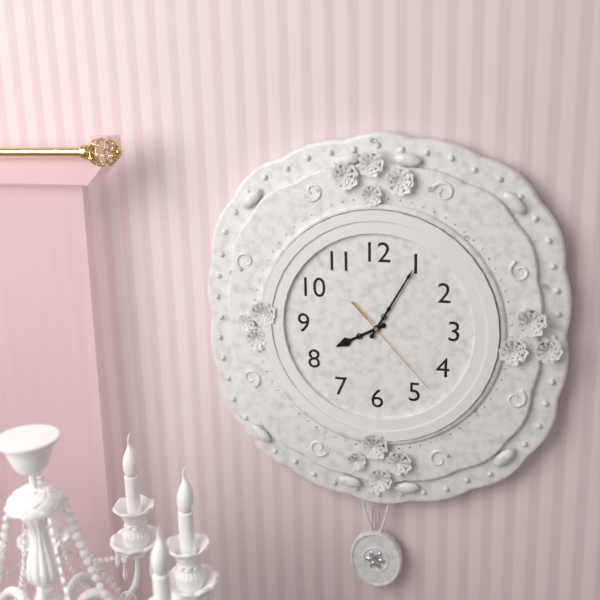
8.05.23
